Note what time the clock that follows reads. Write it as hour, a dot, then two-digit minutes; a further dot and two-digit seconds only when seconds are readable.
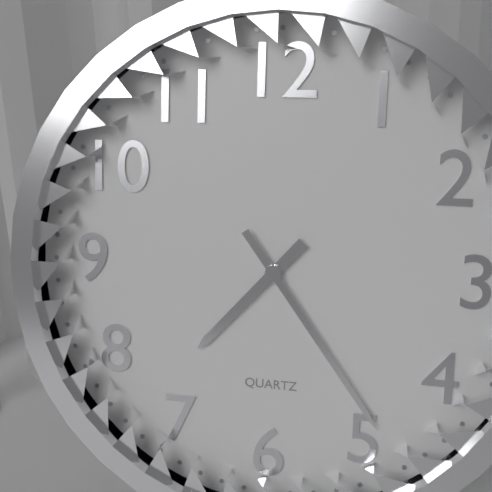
7.24
